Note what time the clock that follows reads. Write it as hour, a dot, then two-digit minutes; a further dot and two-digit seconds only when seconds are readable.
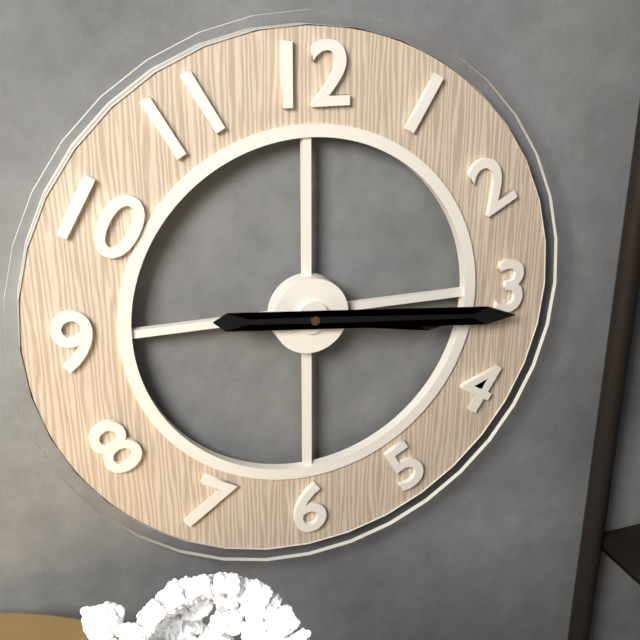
3.16
